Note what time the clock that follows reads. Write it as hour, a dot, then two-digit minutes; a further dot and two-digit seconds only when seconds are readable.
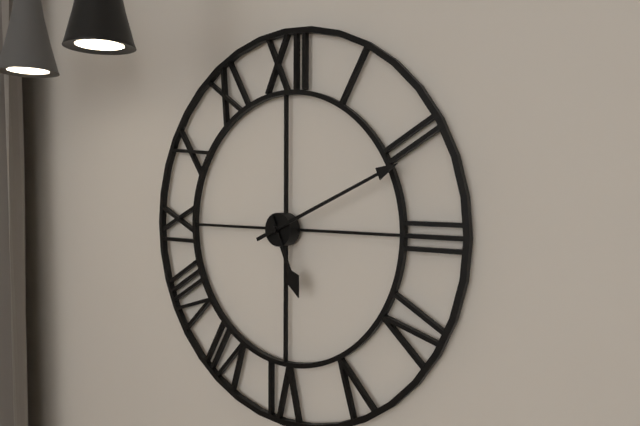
5.11
